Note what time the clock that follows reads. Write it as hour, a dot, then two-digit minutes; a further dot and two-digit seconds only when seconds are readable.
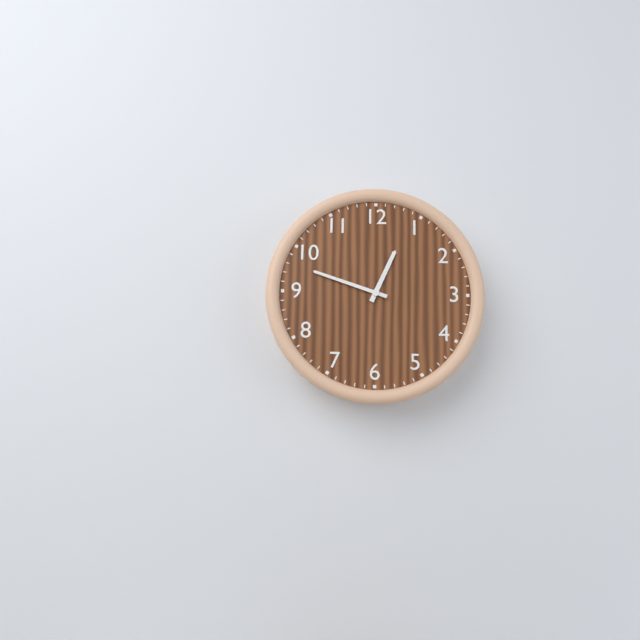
12.48
